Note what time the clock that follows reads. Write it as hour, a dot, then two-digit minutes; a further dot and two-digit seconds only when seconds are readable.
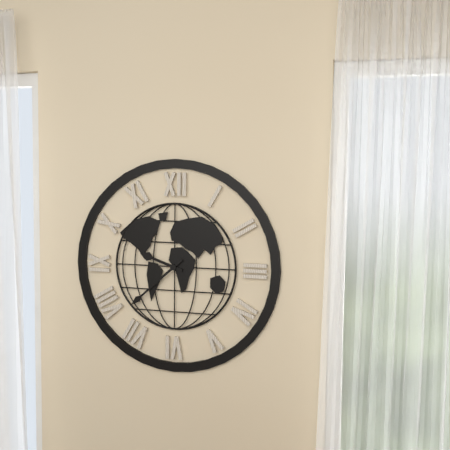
9.38
